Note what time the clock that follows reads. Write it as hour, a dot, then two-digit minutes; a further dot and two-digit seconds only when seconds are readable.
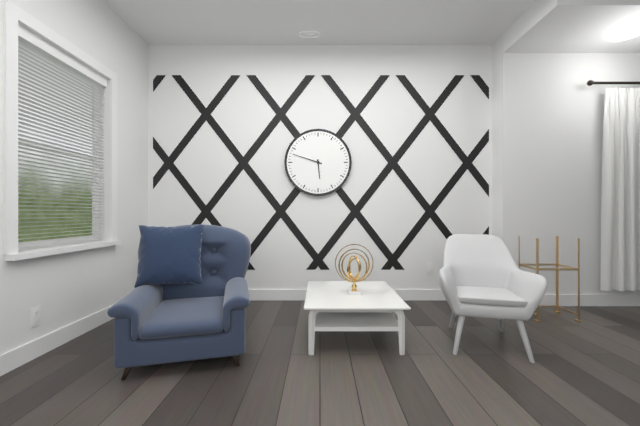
5.48
